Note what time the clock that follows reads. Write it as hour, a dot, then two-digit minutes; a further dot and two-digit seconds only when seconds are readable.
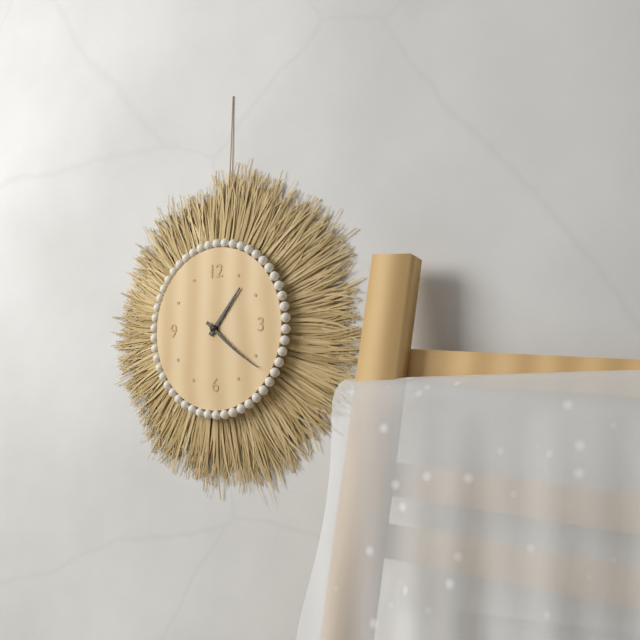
1.21
